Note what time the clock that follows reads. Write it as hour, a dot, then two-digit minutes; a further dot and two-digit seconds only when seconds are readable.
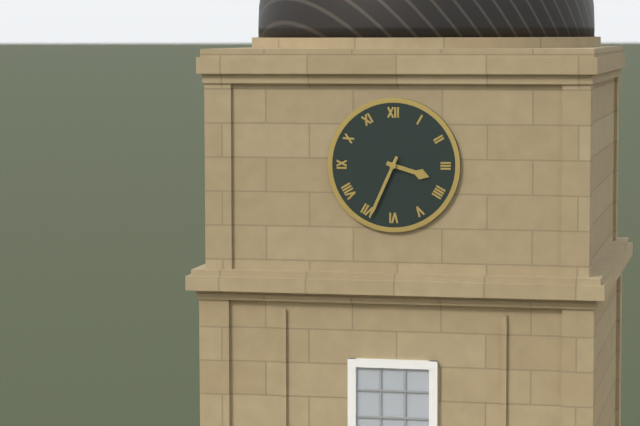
3.34
